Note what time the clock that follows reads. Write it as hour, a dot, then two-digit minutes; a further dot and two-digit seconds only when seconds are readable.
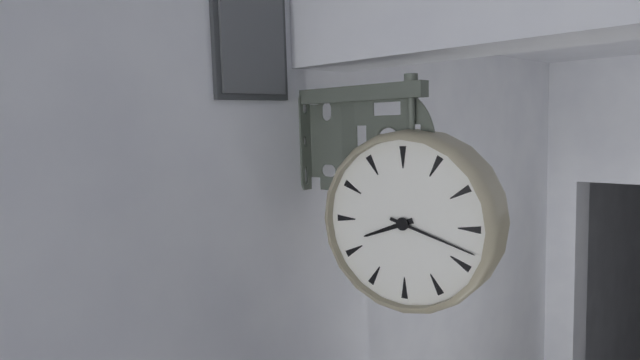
8.18
